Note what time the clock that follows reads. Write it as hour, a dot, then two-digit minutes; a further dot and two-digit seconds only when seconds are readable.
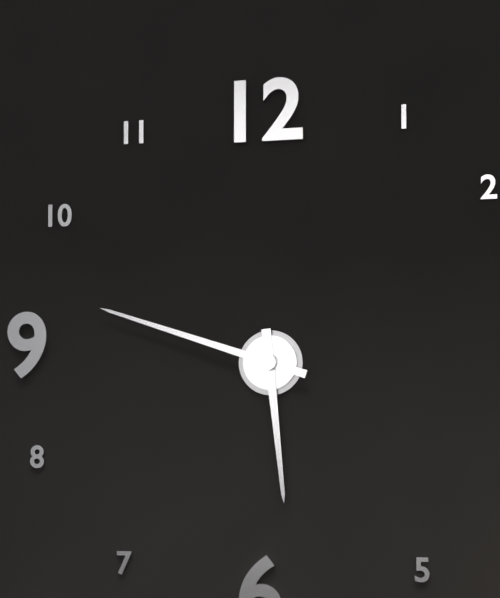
5.48
